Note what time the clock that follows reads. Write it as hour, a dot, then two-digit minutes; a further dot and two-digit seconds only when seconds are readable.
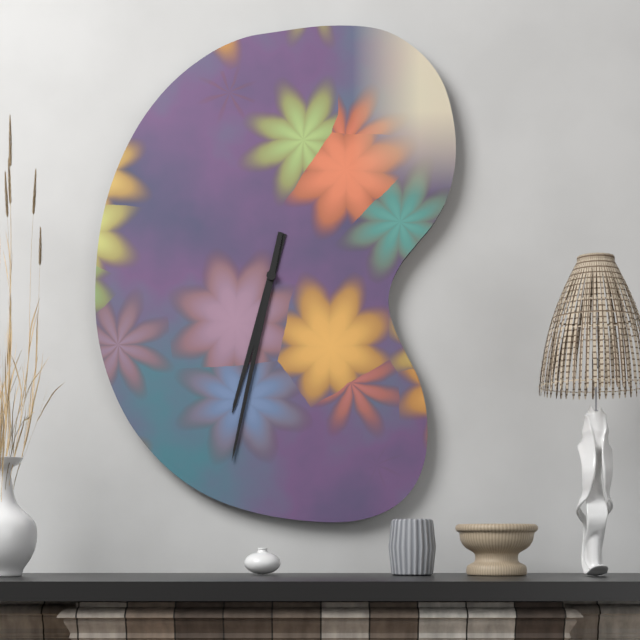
6.32
